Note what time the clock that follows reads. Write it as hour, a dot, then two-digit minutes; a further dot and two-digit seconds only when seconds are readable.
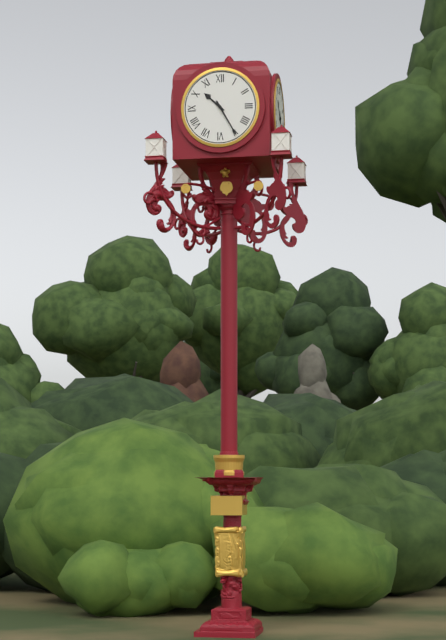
10.25
